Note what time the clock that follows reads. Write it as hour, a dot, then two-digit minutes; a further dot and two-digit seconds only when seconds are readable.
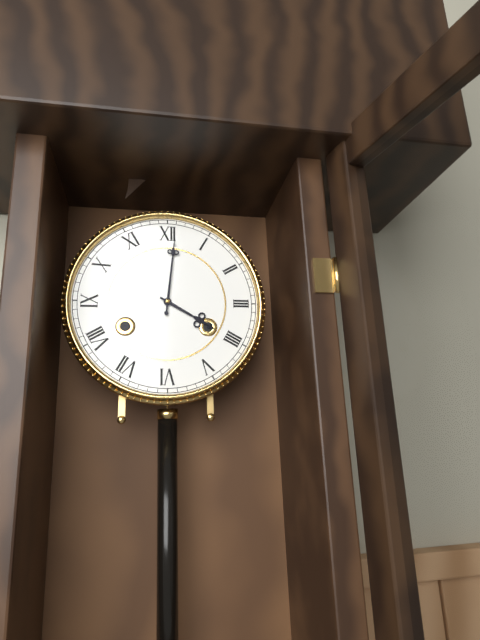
4.01
